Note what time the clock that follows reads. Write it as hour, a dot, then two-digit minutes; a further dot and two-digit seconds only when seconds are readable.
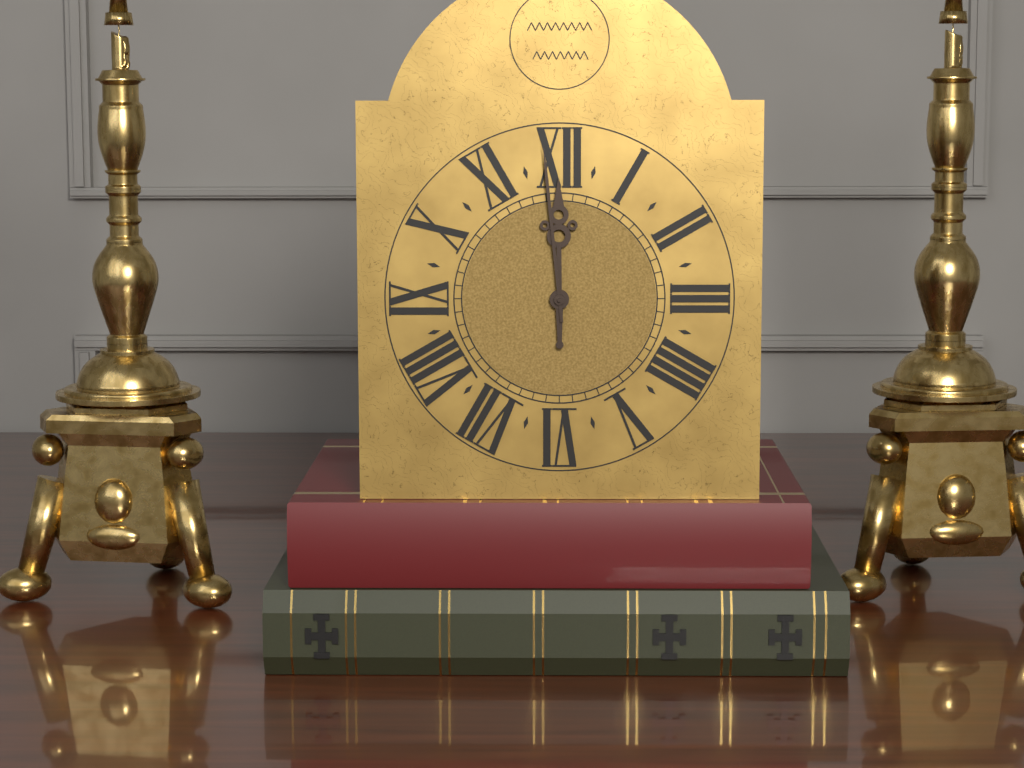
11.59
